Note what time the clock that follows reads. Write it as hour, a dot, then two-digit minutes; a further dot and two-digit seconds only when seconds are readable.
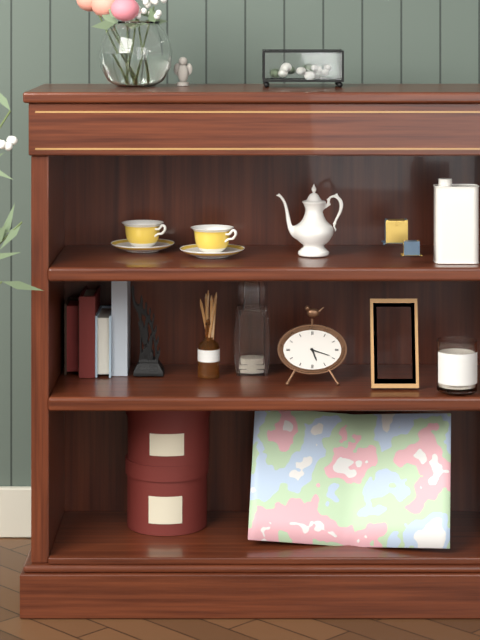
5.18
